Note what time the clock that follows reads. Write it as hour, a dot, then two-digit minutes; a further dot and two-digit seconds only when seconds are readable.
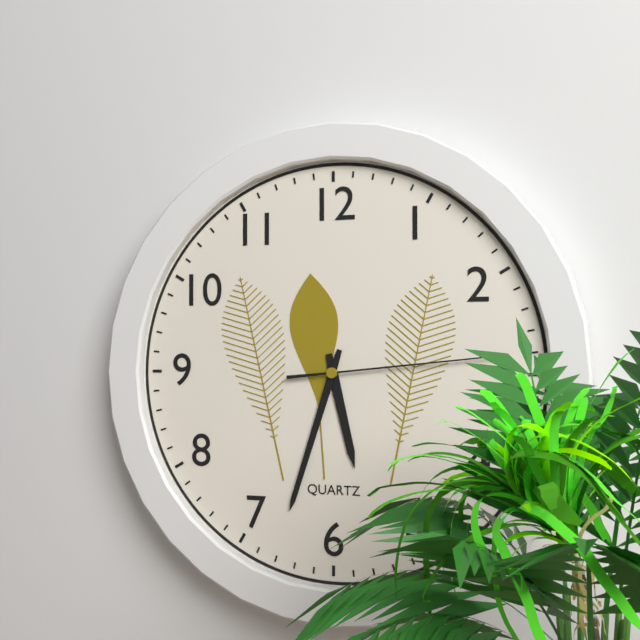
5.33.14
